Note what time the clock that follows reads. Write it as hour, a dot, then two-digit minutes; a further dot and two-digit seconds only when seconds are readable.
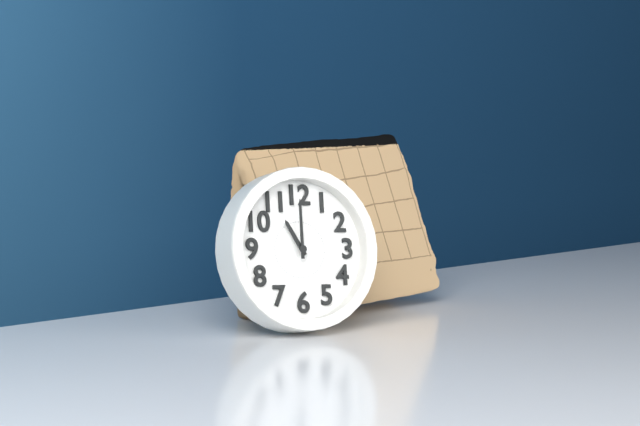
11.00
